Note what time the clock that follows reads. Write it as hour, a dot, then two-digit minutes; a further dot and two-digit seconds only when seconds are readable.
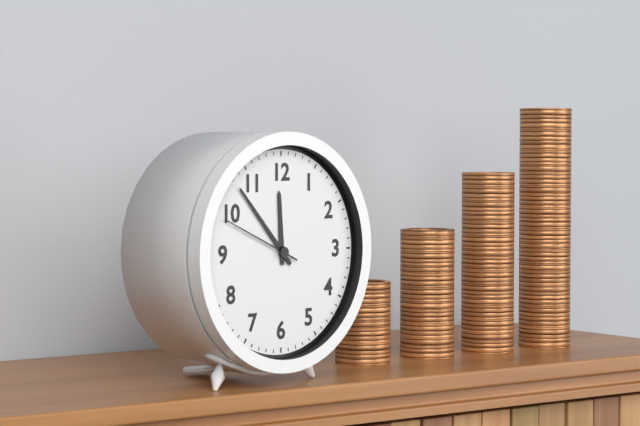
11.53.49
